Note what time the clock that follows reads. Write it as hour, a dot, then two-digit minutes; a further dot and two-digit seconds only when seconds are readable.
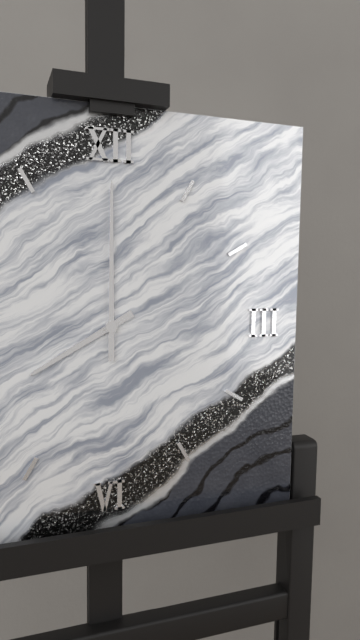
8.00
